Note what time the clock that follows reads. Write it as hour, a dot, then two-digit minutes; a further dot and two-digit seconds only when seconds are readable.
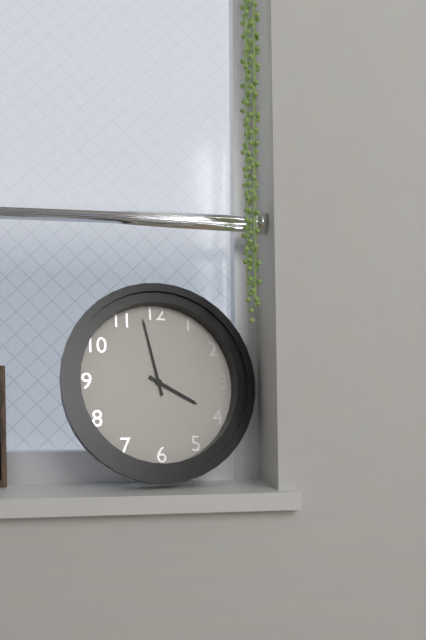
3.58
